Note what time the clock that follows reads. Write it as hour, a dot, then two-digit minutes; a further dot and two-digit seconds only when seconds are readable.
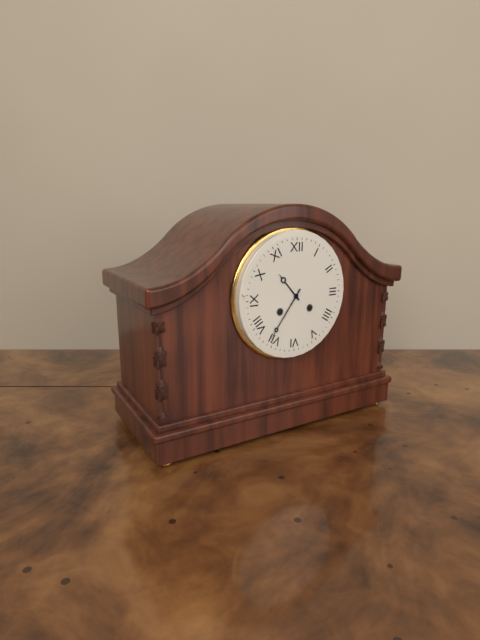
10.36
